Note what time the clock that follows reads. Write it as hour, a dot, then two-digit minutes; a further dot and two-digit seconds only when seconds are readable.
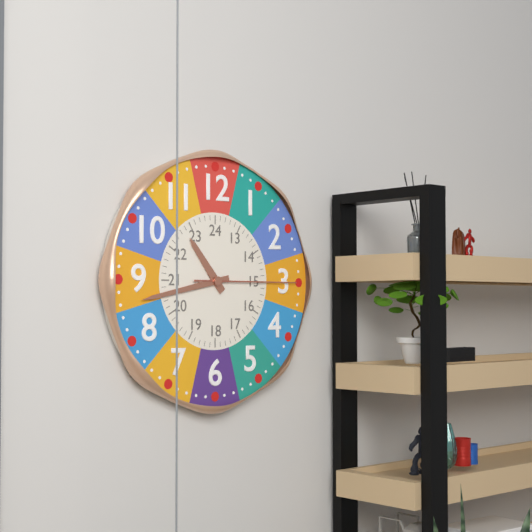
10.43.15
